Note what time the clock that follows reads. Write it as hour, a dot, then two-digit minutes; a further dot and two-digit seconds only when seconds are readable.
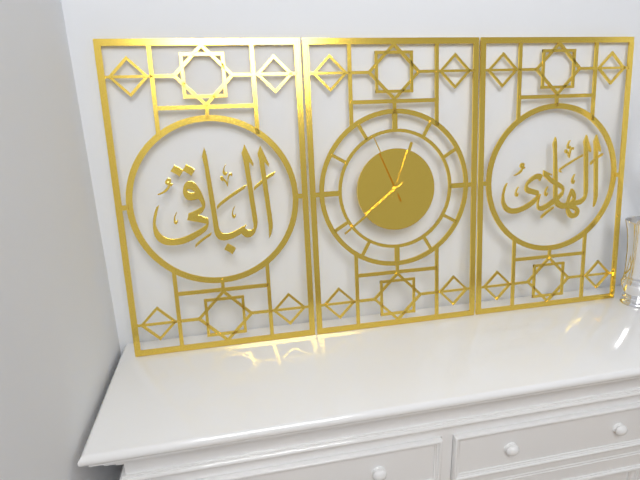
12.39.56
